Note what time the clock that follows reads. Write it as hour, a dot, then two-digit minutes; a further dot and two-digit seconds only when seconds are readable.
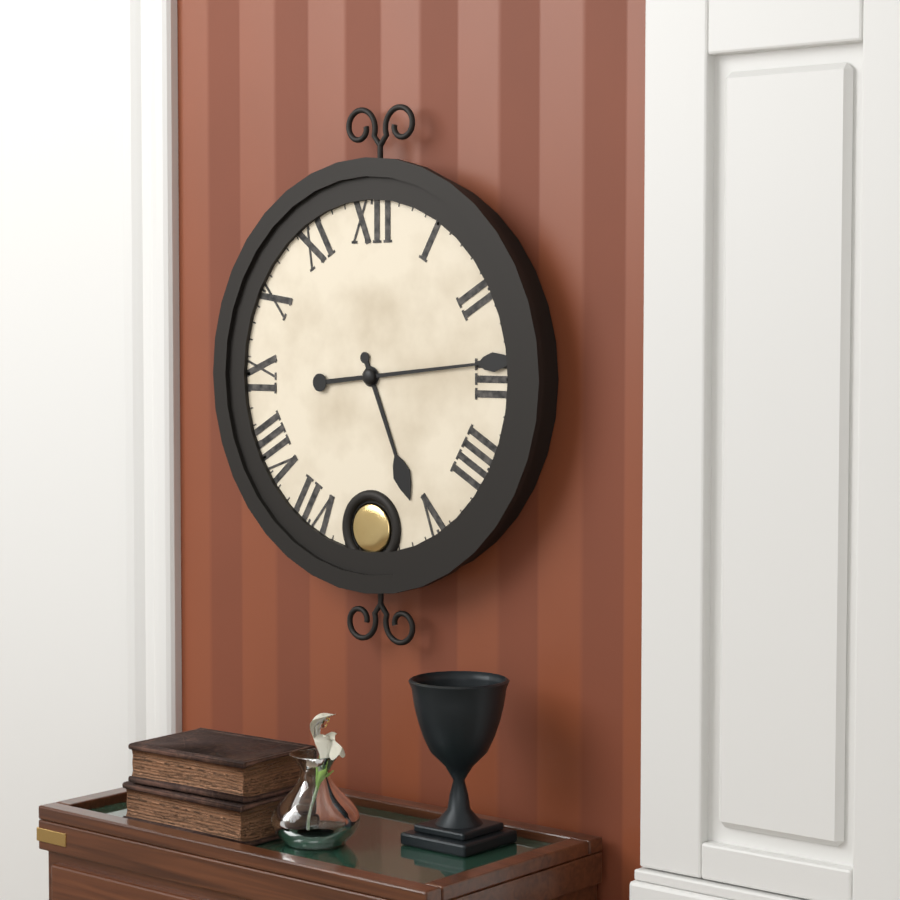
5.14
